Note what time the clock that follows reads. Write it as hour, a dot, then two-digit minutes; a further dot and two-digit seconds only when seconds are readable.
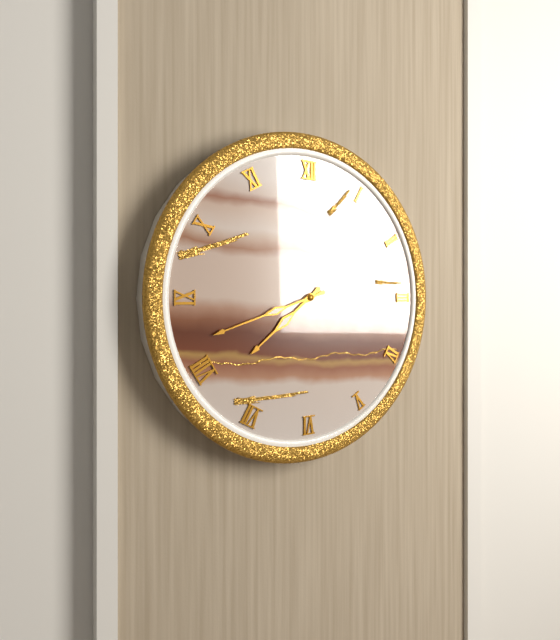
7.42
